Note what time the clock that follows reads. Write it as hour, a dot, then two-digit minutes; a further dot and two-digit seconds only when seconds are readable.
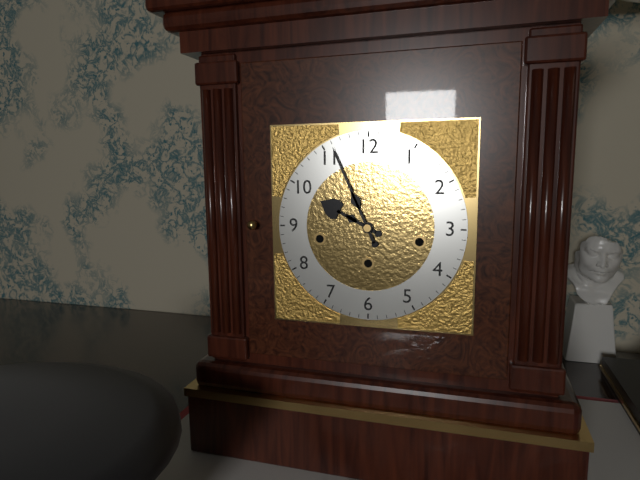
9.56
